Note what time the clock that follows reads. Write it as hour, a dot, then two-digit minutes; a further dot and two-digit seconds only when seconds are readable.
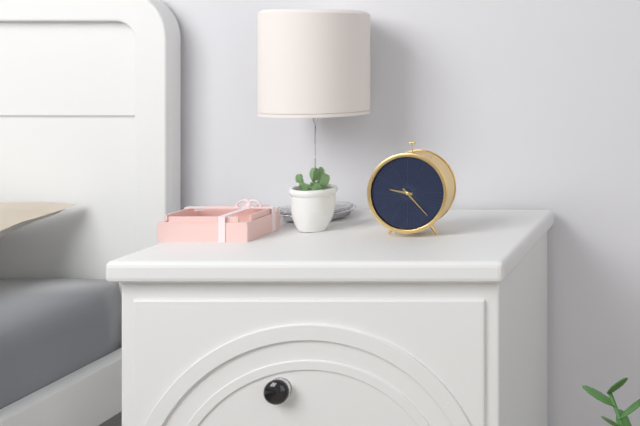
9.23
